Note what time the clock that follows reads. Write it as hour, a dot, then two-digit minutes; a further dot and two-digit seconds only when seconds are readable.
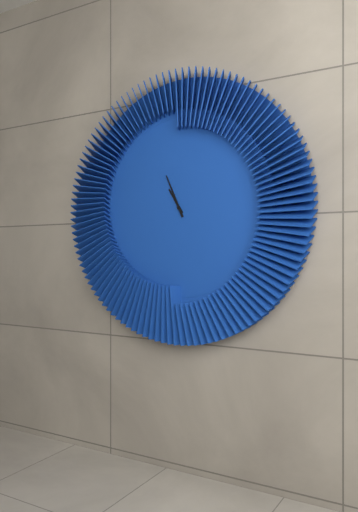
10.56
